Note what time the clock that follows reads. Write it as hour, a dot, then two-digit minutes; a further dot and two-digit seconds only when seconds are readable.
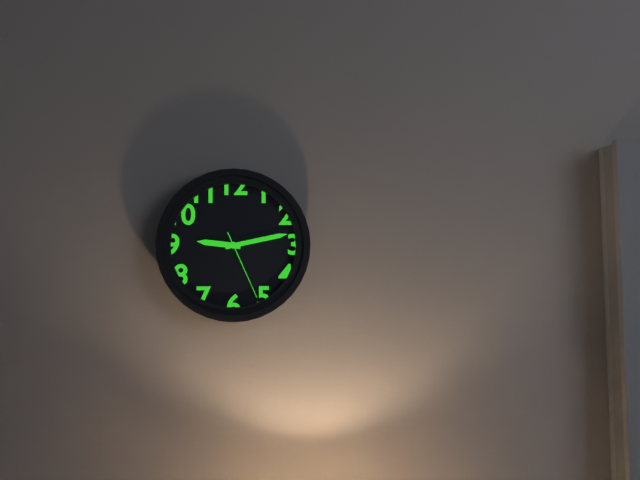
9.13.26
